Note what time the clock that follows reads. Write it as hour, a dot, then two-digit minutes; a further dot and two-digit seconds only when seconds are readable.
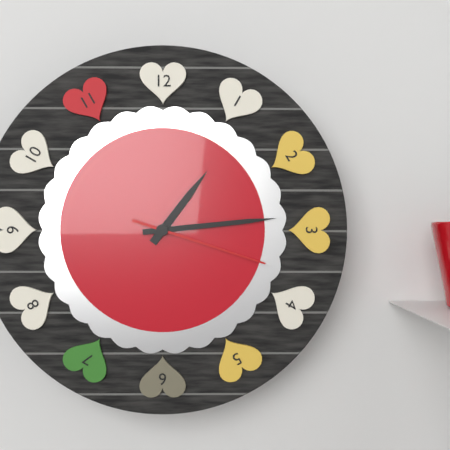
1.14.18
